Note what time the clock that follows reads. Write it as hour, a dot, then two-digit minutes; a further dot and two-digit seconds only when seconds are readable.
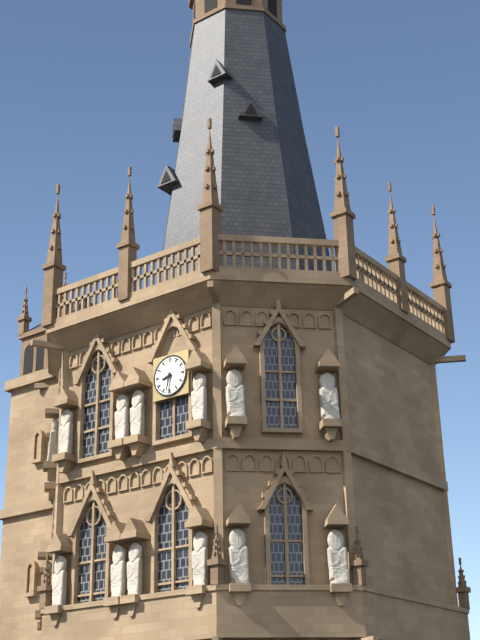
8.32
